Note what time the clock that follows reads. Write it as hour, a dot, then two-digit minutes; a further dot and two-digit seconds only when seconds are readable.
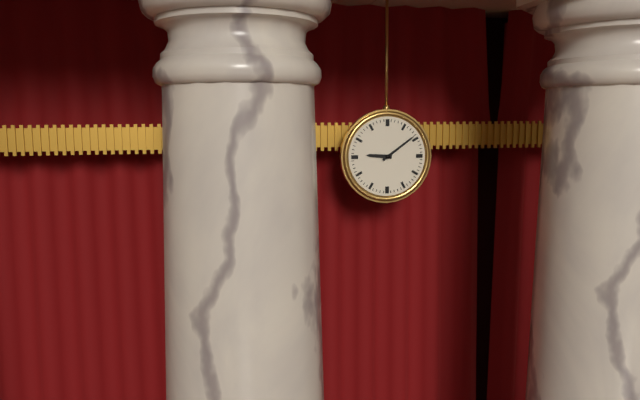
9.09
